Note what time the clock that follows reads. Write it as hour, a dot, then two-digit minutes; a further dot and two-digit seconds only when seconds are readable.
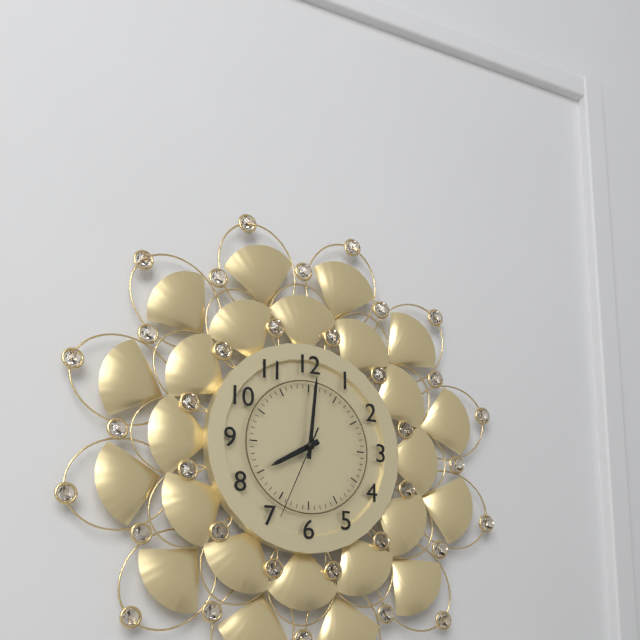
8.01.34
